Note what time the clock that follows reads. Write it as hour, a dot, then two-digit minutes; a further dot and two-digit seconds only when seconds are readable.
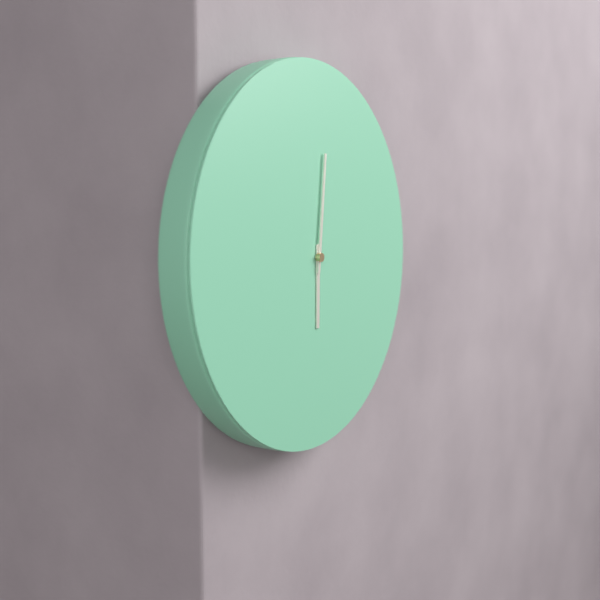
6.01
